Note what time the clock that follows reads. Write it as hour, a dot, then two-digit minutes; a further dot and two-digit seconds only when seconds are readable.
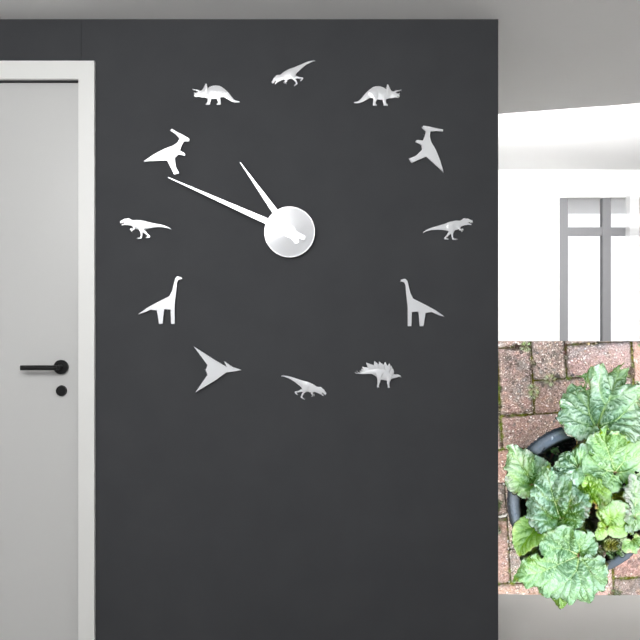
10.49
